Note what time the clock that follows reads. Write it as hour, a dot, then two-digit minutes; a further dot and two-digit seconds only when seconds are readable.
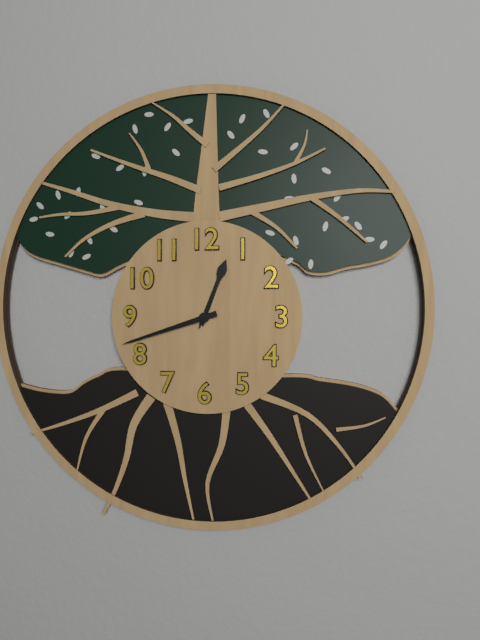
12.42.04
